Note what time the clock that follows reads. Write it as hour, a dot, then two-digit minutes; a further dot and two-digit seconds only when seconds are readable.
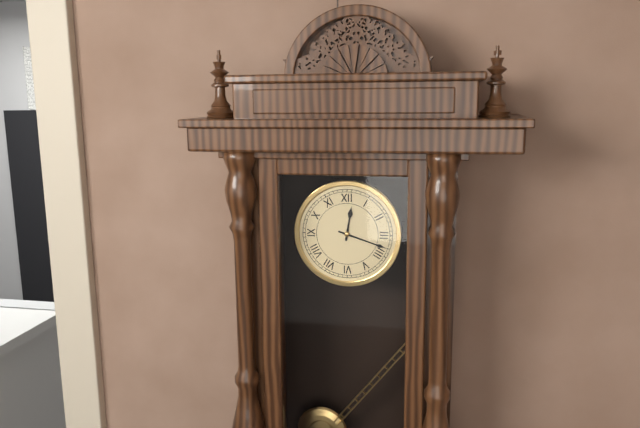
12.18
